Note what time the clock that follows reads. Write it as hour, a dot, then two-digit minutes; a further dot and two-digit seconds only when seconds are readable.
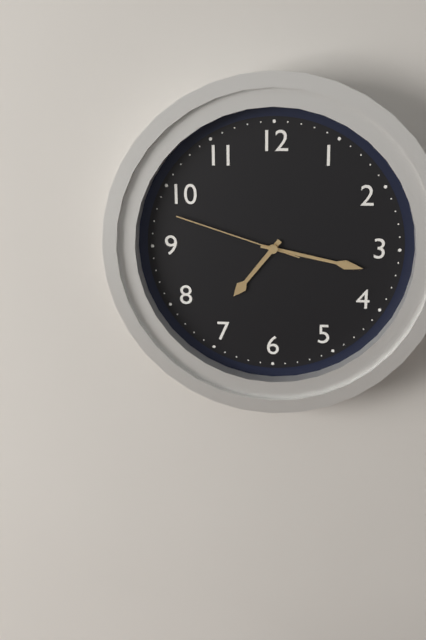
7.17.48
